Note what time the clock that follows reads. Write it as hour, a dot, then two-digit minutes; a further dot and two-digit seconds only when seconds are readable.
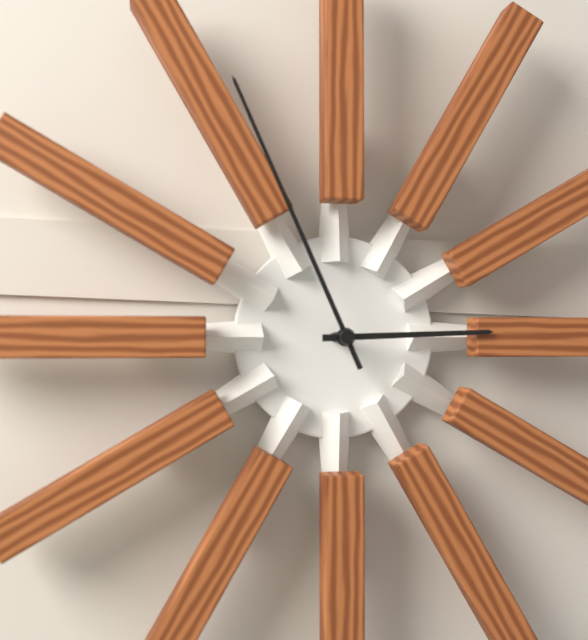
2.56
